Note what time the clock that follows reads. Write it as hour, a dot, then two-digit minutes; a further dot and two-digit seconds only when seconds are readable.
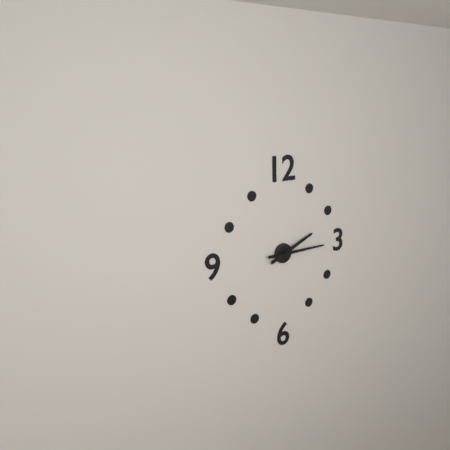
2.15
